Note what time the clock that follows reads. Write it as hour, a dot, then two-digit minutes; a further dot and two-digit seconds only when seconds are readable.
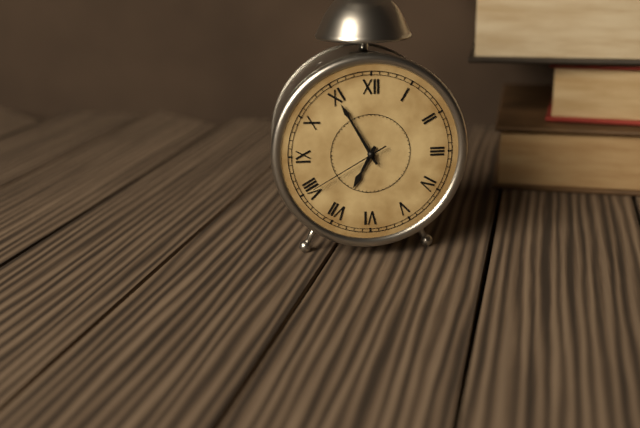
6.55.40
